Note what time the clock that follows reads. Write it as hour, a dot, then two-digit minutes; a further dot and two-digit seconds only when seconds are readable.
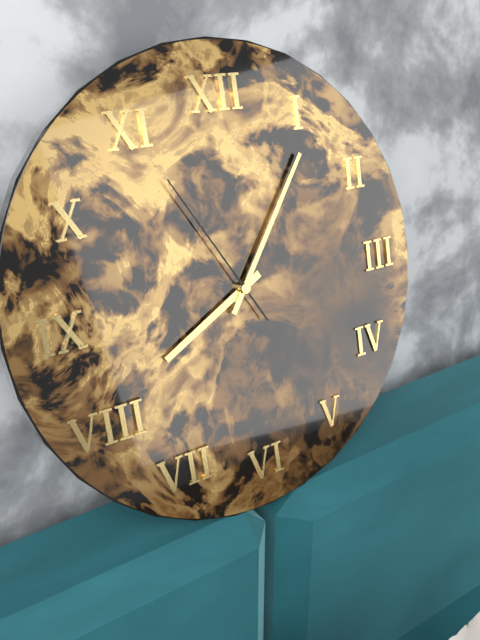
8.06.55
